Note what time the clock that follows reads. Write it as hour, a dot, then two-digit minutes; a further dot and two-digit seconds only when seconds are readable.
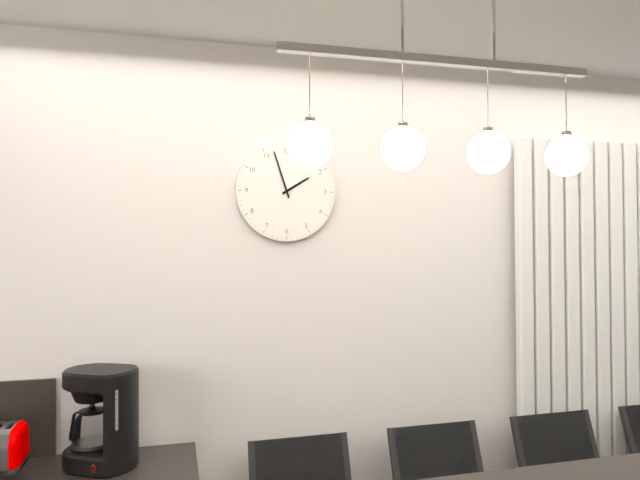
1.57
